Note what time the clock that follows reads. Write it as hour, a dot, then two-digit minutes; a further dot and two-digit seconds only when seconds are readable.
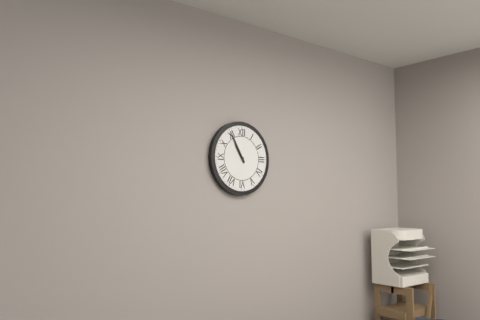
10.55
